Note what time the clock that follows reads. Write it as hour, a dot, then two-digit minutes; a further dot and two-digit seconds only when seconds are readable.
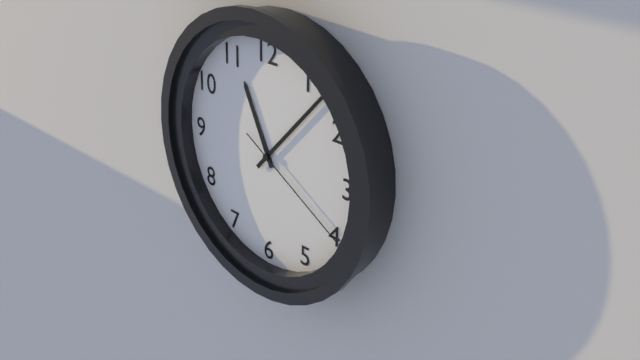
11.07.20
